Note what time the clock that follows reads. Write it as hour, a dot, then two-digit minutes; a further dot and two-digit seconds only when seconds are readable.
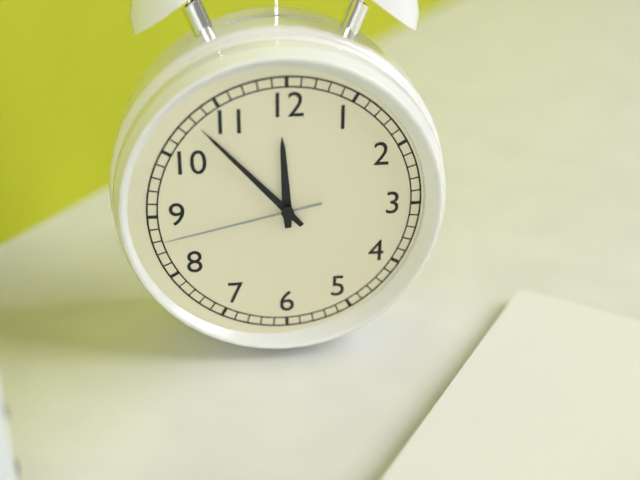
11.53.43
